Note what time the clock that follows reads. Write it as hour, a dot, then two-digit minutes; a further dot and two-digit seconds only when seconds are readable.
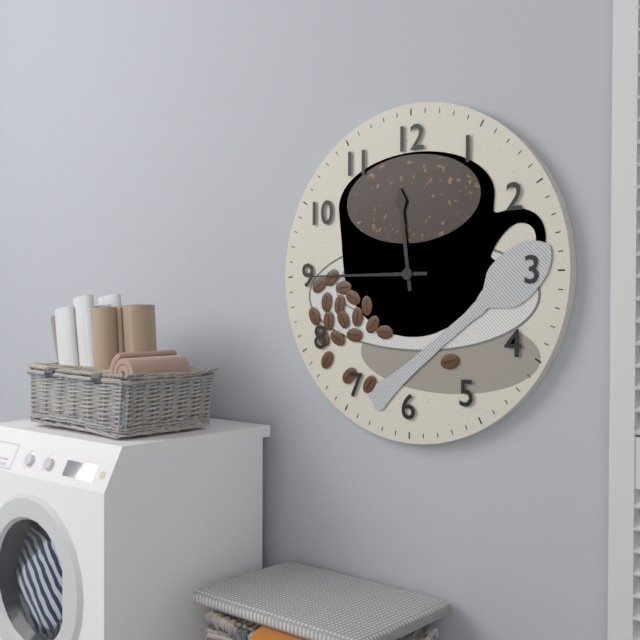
11.45
